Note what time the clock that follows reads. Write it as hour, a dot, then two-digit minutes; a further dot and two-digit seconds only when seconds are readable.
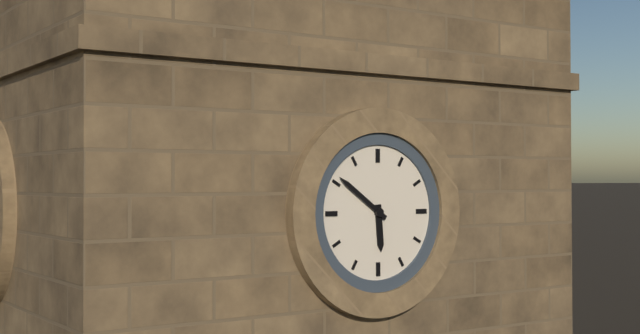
5.51
